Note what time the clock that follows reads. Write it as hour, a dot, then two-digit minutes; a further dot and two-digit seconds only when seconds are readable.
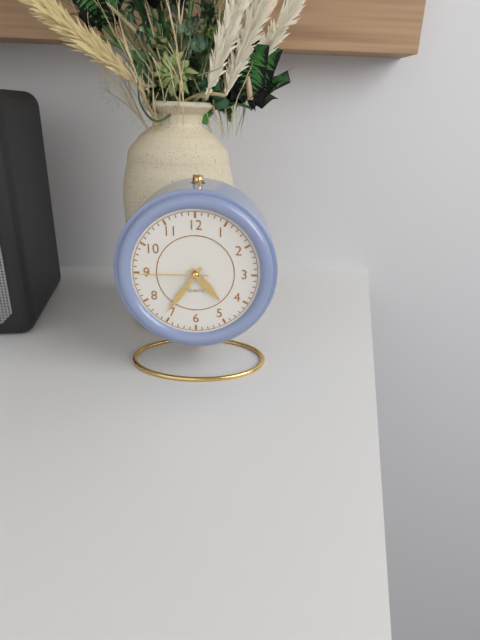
4.36.45
